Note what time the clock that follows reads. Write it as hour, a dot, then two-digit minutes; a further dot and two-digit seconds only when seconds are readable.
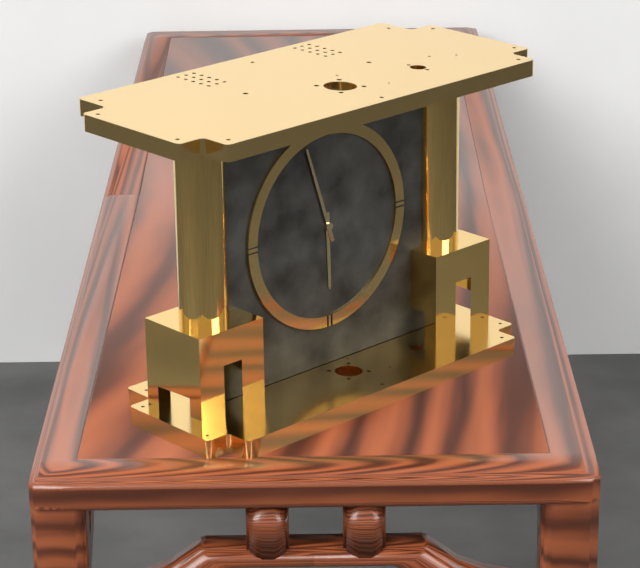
5.57
